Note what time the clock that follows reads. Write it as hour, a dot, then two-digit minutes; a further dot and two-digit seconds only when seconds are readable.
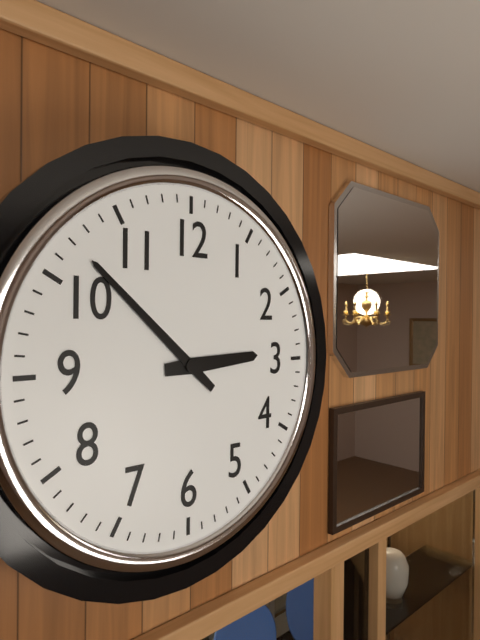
2.52
